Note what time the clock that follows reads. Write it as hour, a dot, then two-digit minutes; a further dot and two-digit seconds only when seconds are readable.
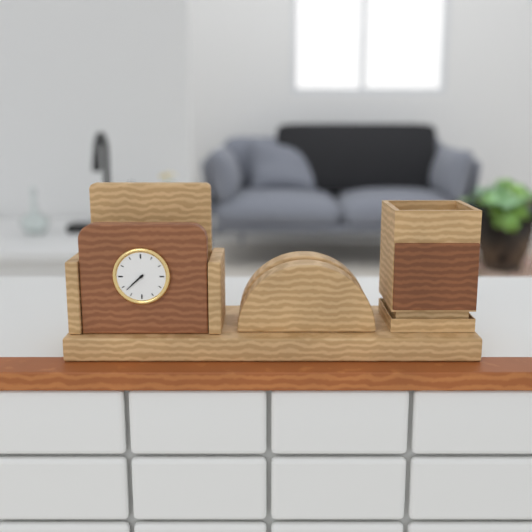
7.38
